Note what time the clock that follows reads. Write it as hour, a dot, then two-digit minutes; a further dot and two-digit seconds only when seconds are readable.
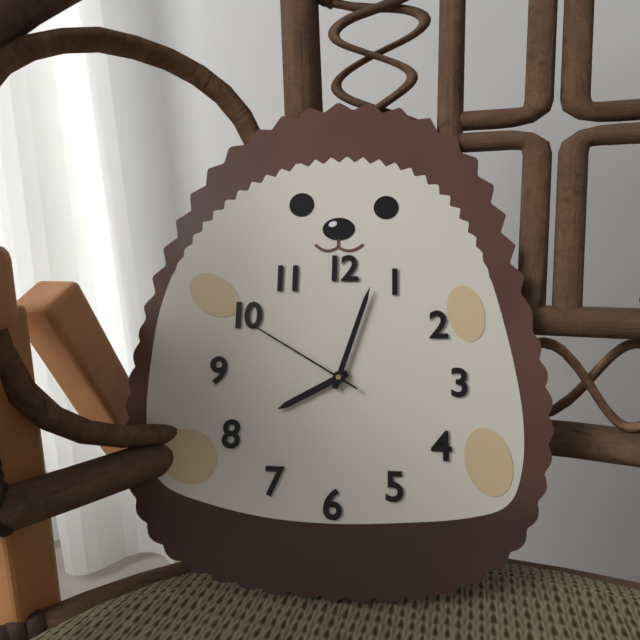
8.03.50
